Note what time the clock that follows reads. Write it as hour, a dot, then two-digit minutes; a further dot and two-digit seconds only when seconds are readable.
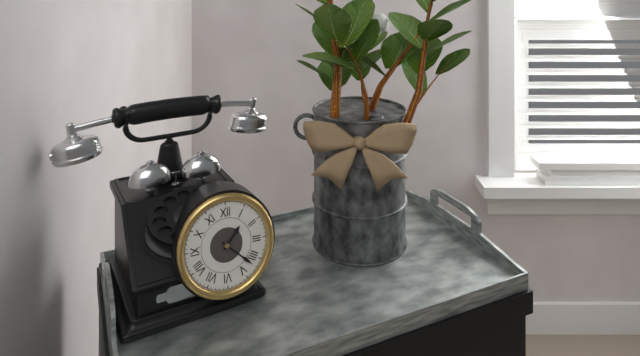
1.22
